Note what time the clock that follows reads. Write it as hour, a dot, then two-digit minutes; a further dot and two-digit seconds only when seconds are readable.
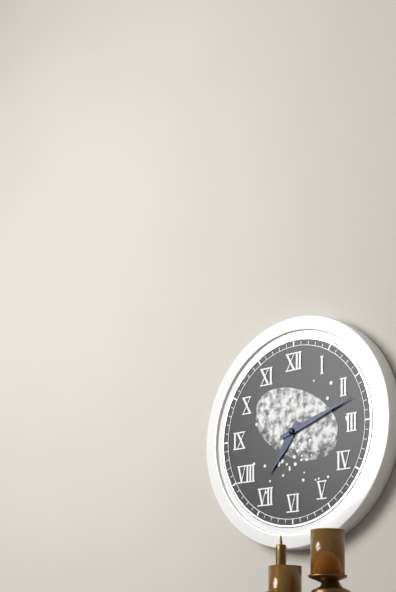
7.12
